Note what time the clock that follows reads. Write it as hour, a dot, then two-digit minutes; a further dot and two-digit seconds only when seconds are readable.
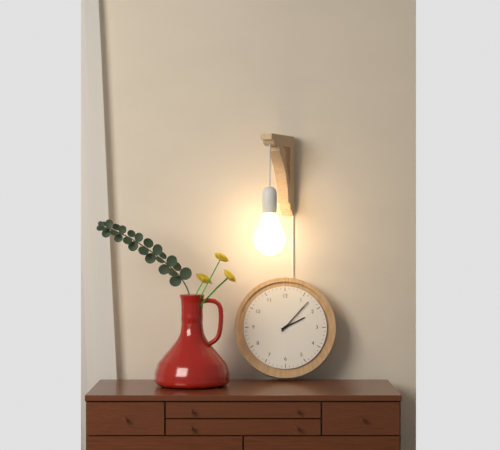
2.07
